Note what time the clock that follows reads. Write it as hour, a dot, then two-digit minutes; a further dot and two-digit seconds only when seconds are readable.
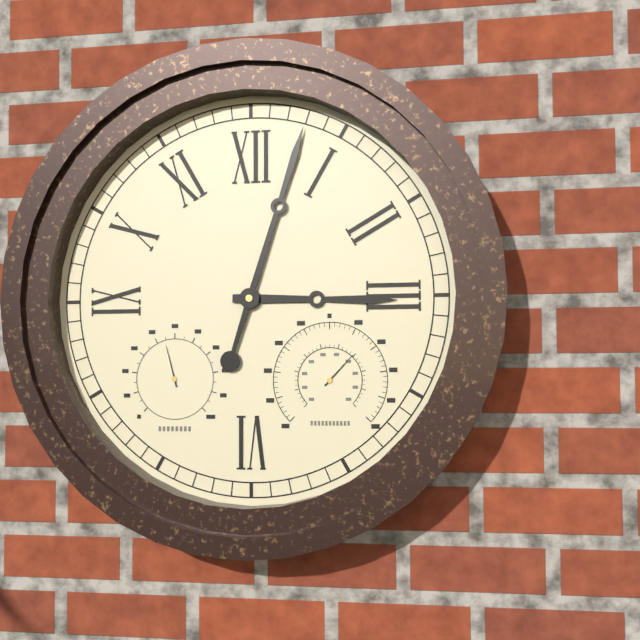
3.03
